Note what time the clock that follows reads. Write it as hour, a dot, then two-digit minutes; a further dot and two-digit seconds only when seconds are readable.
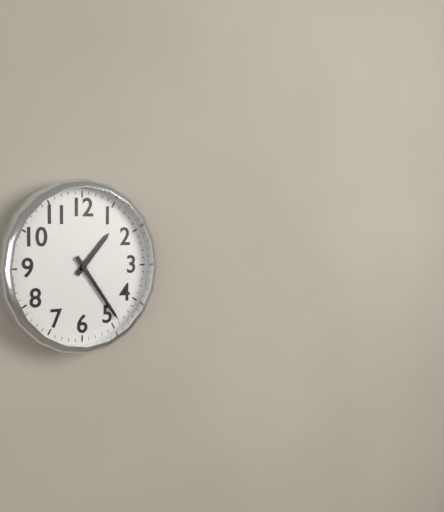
1.24
